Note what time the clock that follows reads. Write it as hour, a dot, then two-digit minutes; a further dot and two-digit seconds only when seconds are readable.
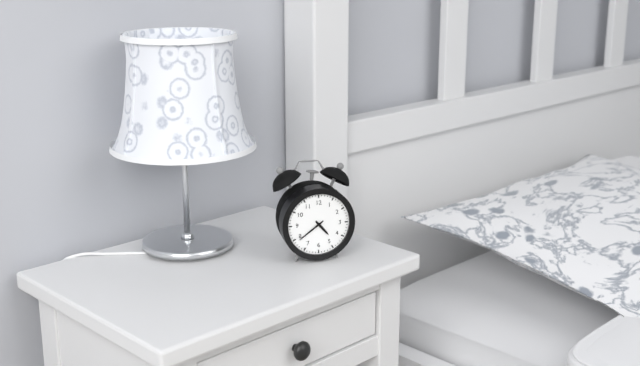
4.39
